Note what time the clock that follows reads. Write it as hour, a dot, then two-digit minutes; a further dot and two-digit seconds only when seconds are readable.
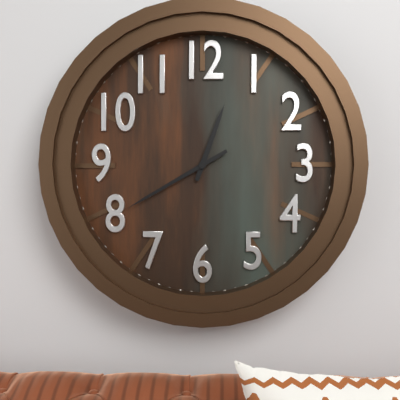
12.40
